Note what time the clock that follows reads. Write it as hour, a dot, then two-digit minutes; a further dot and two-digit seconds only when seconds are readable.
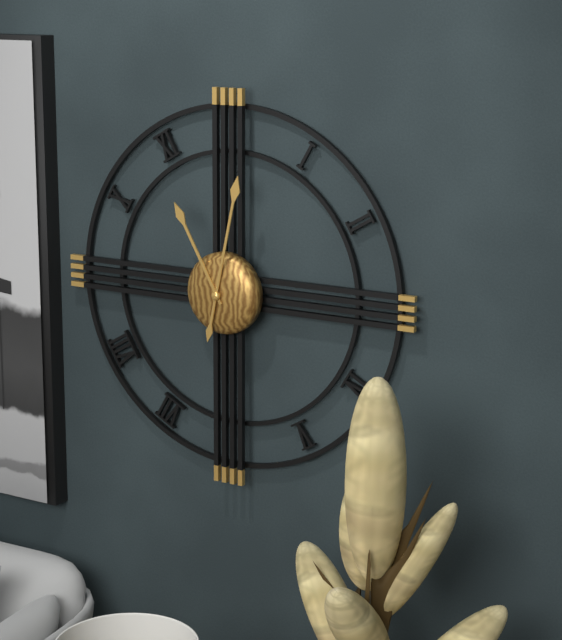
11.02
